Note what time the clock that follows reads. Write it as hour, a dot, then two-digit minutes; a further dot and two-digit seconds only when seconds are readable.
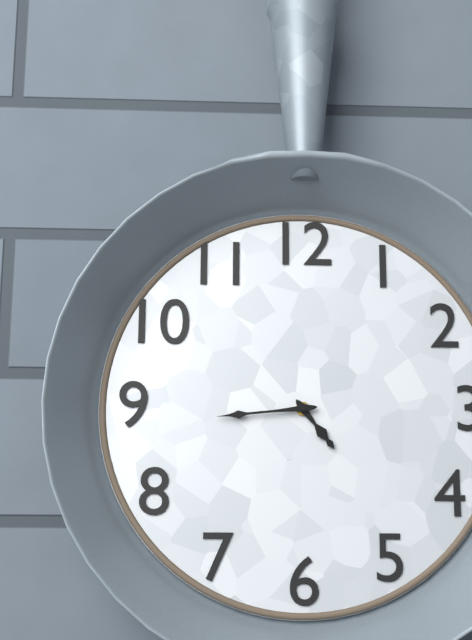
4.44
